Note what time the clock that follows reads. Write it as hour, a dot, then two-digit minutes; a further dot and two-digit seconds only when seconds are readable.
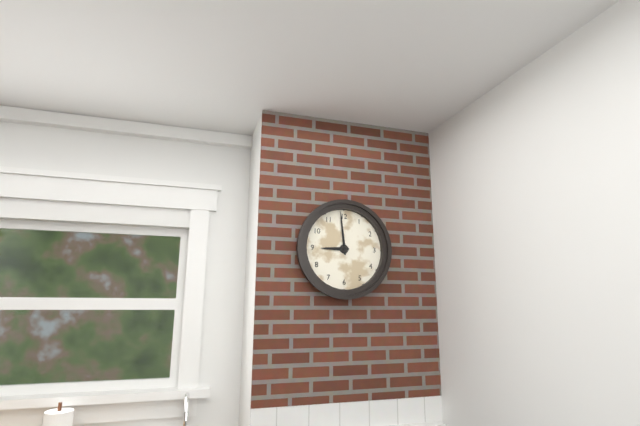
8.59
